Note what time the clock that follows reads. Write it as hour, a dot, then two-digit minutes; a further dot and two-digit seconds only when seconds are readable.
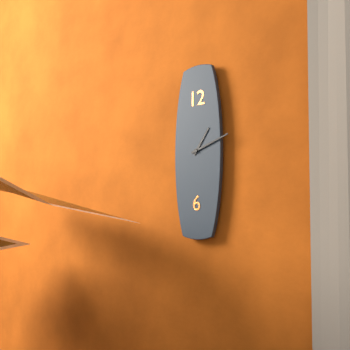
1.12
